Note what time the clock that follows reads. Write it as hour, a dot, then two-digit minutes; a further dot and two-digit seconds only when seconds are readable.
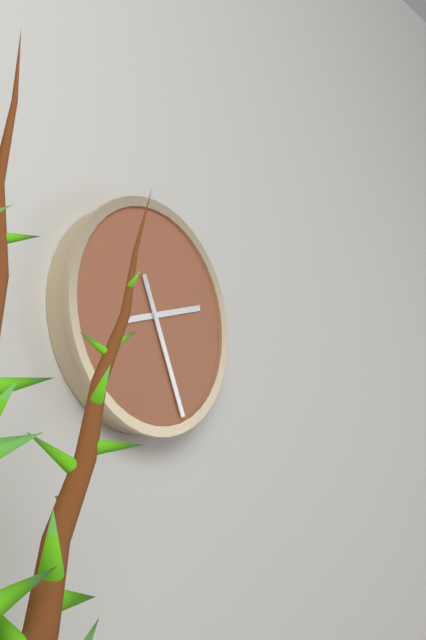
2.26
